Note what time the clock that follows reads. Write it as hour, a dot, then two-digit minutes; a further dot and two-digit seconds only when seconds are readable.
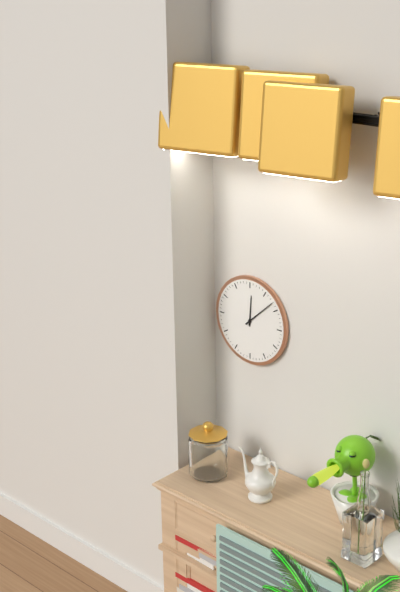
12.08
